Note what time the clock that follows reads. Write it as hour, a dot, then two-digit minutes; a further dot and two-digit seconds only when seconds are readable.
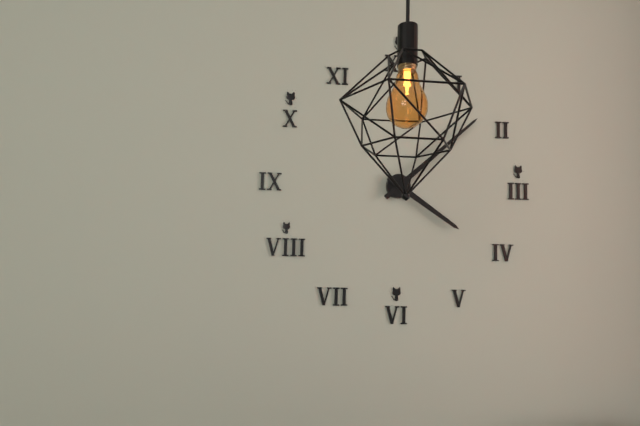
4.08
